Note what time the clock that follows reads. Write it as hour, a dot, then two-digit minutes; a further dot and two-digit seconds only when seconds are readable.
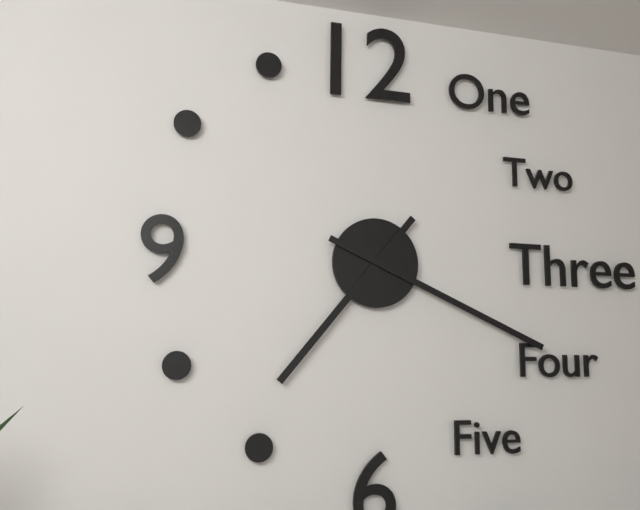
7.19
